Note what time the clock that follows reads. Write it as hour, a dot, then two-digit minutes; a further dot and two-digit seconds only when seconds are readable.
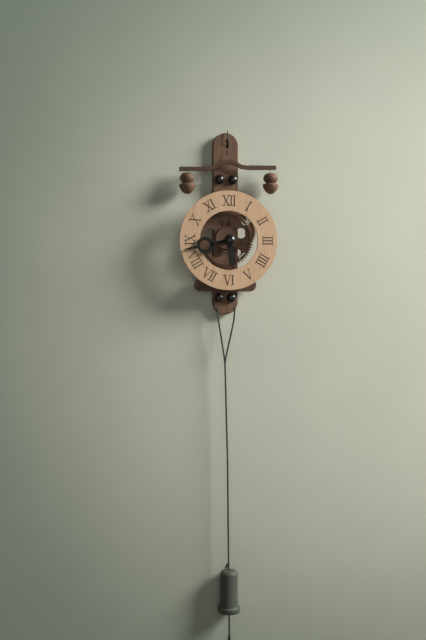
5.43
